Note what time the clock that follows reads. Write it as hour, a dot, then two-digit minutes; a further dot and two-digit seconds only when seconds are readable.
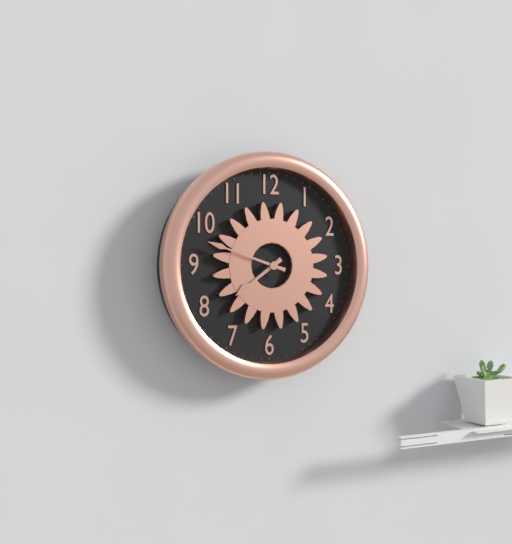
7.48
